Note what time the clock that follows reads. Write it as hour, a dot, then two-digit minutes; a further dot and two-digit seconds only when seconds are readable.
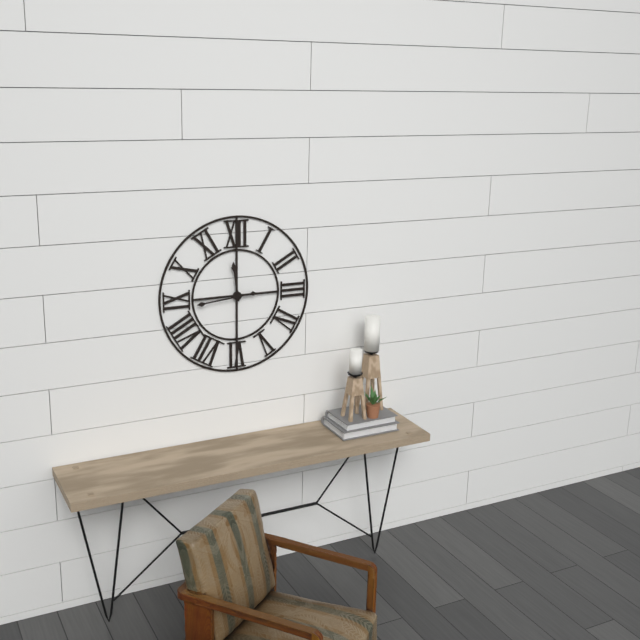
11.44
